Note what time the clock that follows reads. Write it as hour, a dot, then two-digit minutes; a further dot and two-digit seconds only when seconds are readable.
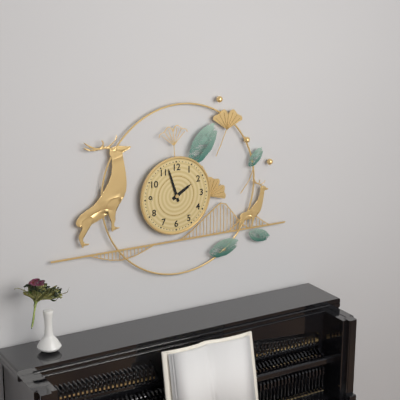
1.57
